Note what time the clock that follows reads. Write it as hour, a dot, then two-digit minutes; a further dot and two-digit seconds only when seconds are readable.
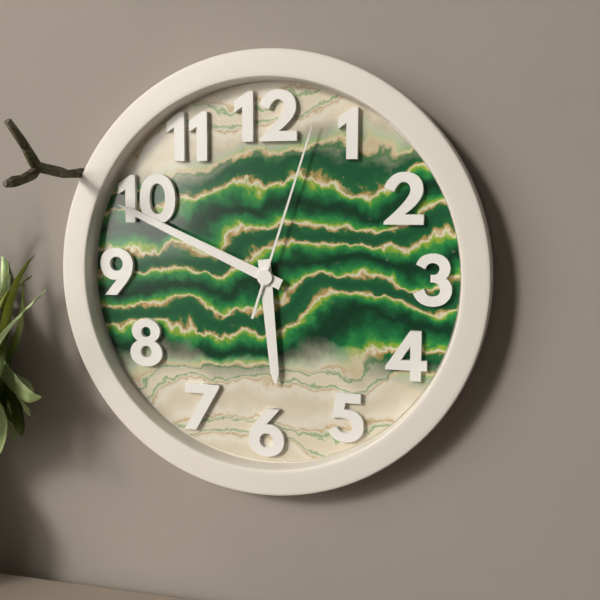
5.49.03
